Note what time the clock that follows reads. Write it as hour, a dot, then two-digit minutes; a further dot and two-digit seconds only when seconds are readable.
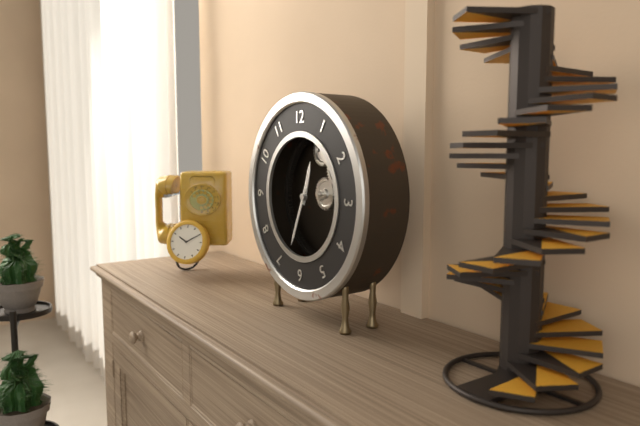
12.34
